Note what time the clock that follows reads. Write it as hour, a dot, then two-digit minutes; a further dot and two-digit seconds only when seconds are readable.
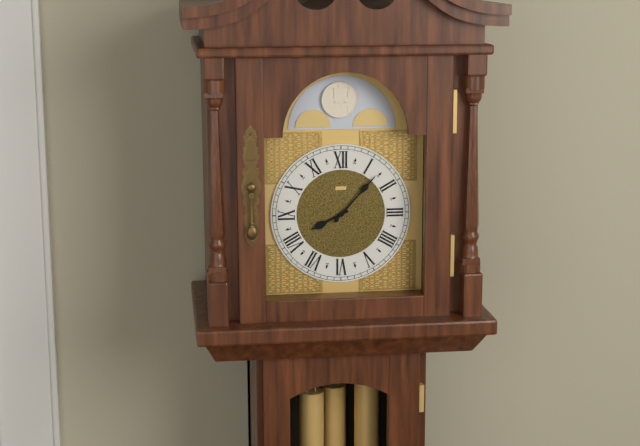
8.07
